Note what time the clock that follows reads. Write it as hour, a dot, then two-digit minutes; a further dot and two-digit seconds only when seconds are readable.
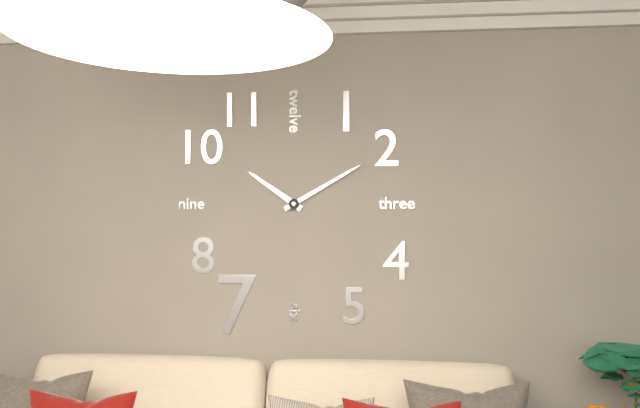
10.10
